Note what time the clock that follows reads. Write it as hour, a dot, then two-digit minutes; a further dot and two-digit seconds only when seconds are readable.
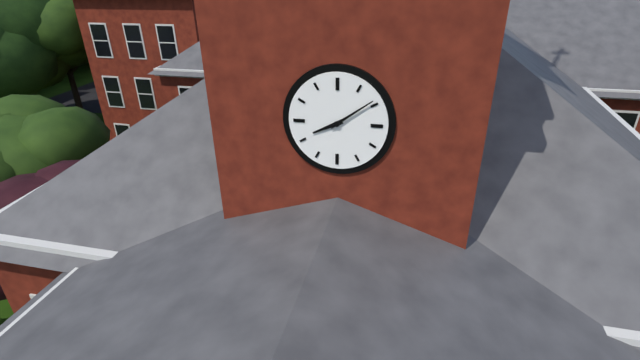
8.09
